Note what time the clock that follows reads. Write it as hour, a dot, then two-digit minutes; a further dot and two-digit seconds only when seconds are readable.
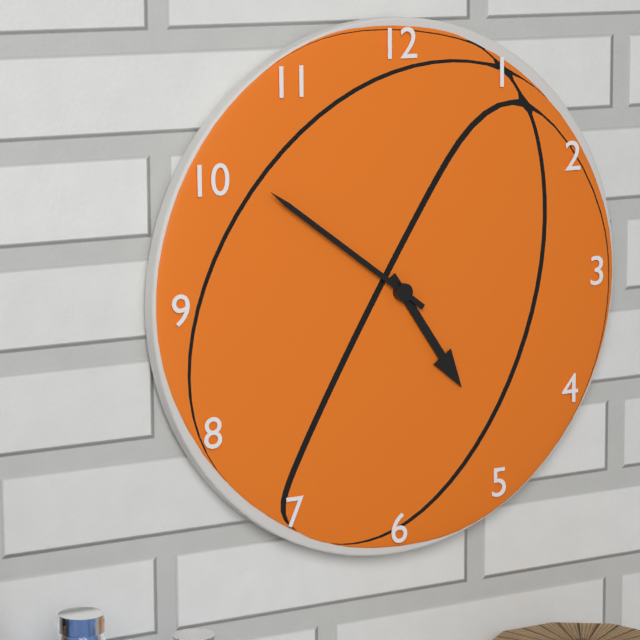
4.51
